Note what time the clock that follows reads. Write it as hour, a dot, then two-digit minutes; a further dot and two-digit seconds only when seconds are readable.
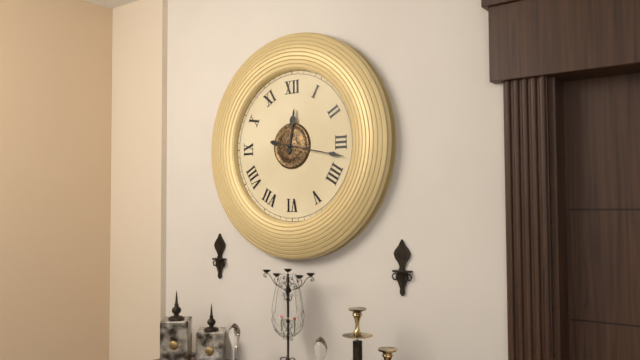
12.17
